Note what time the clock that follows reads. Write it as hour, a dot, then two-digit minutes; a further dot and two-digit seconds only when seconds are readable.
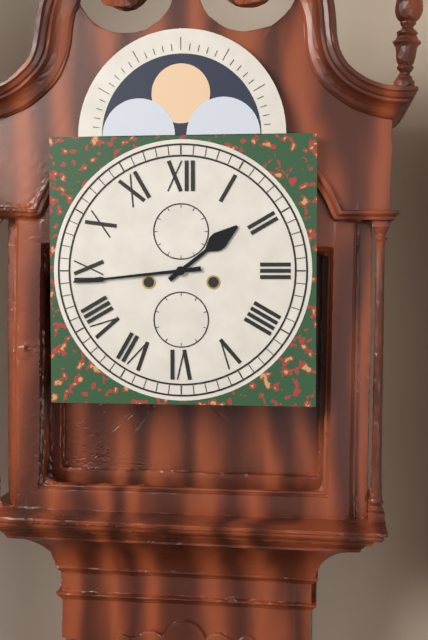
1.44
